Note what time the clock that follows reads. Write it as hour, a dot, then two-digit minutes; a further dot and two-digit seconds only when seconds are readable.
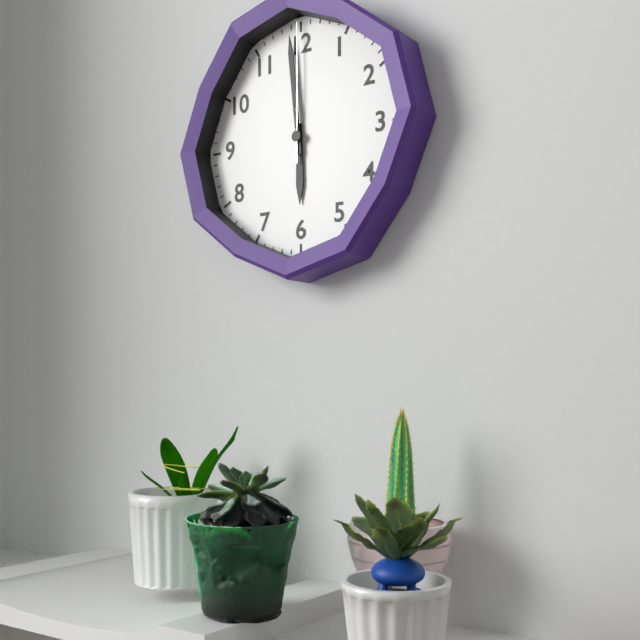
5.59.00
